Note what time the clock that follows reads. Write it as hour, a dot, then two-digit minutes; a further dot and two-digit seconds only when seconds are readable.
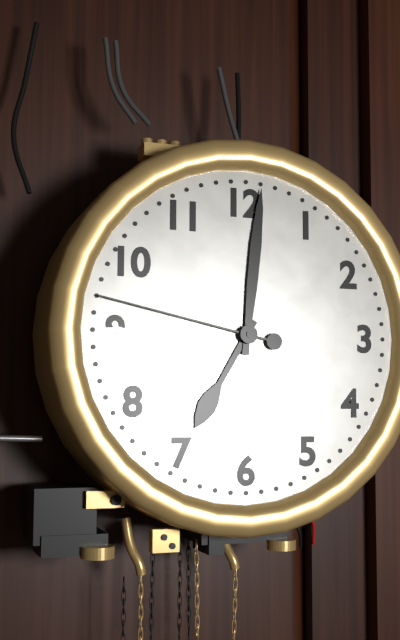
7.01.47
